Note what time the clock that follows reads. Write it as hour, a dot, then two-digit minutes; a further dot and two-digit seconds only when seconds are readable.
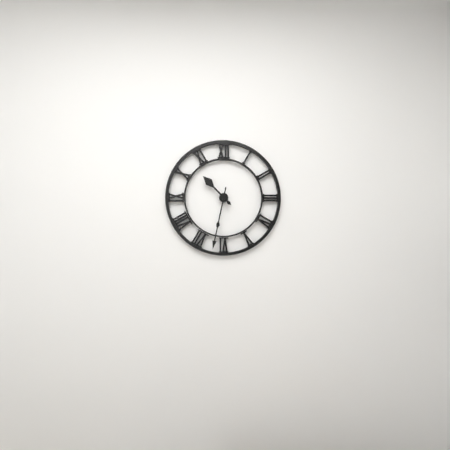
10.32
